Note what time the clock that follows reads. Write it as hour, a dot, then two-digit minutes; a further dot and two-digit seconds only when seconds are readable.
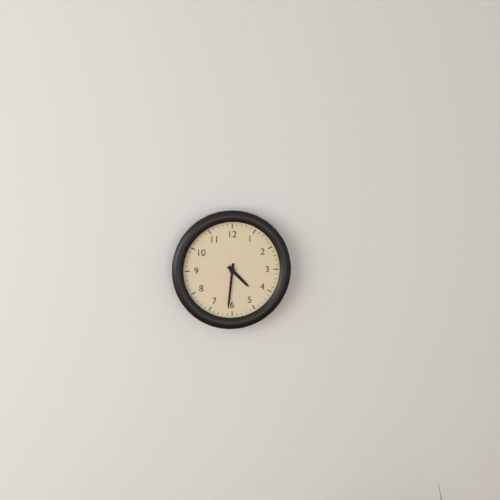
4.31
